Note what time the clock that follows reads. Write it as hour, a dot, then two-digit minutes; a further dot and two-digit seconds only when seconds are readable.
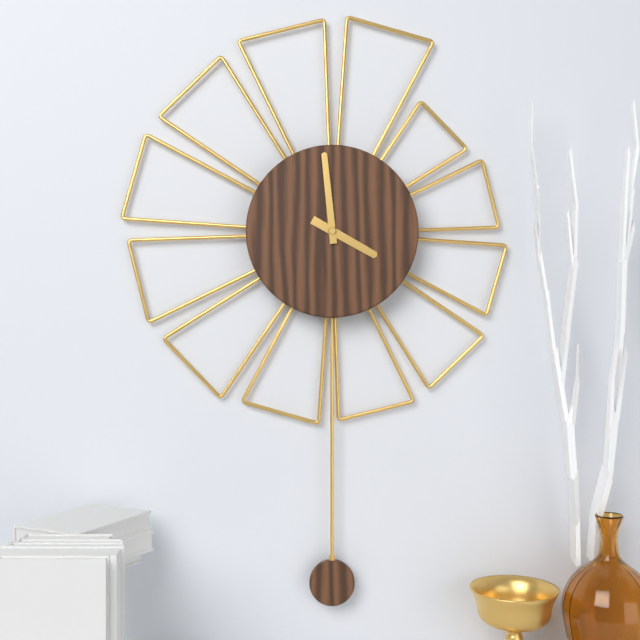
3.59
